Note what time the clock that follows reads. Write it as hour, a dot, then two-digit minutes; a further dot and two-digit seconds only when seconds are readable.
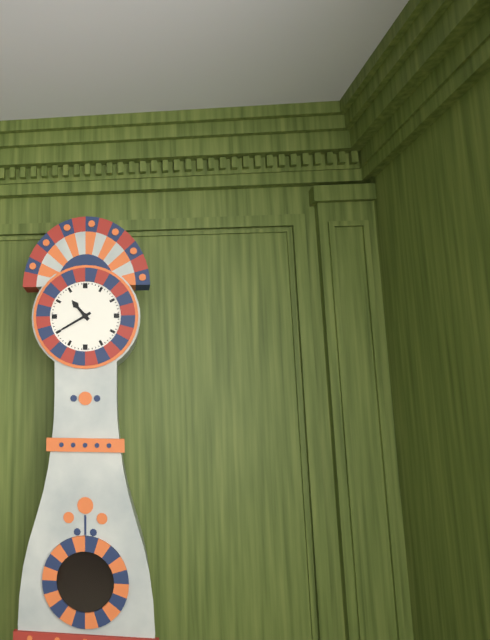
10.40
